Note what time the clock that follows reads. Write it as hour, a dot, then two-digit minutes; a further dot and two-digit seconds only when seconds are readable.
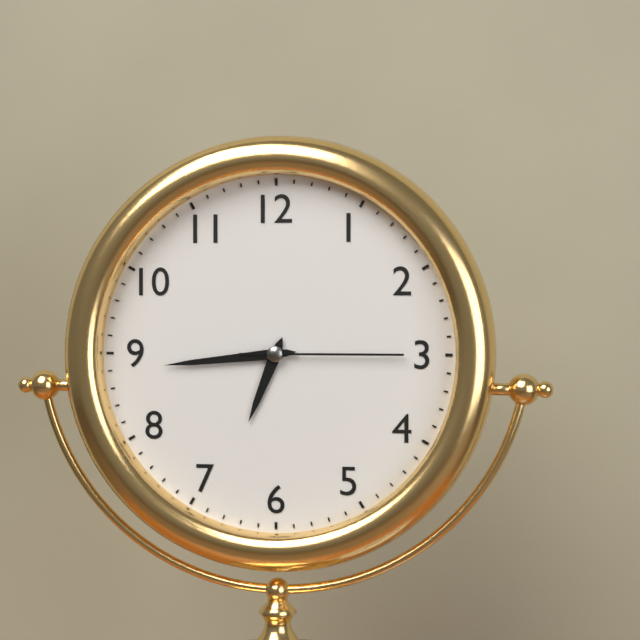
6.44.15
